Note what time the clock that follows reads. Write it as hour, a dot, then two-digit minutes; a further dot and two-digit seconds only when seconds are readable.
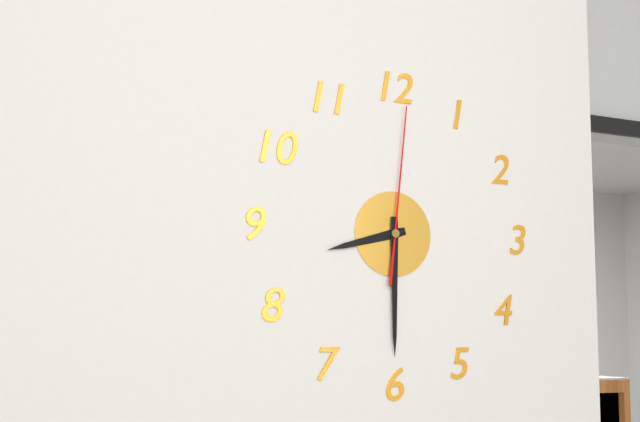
8.30.01
